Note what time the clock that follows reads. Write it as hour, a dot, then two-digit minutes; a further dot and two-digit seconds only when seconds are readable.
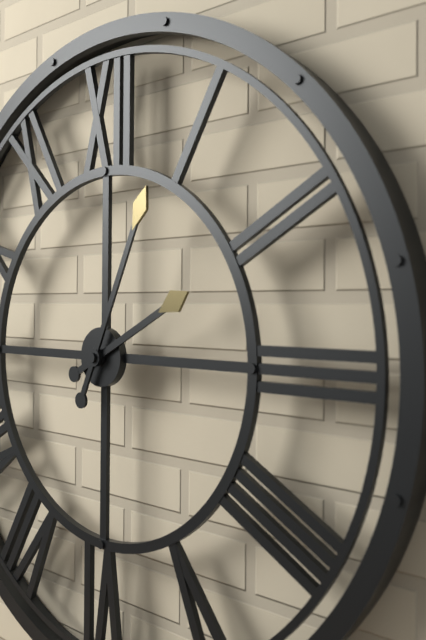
2.04
